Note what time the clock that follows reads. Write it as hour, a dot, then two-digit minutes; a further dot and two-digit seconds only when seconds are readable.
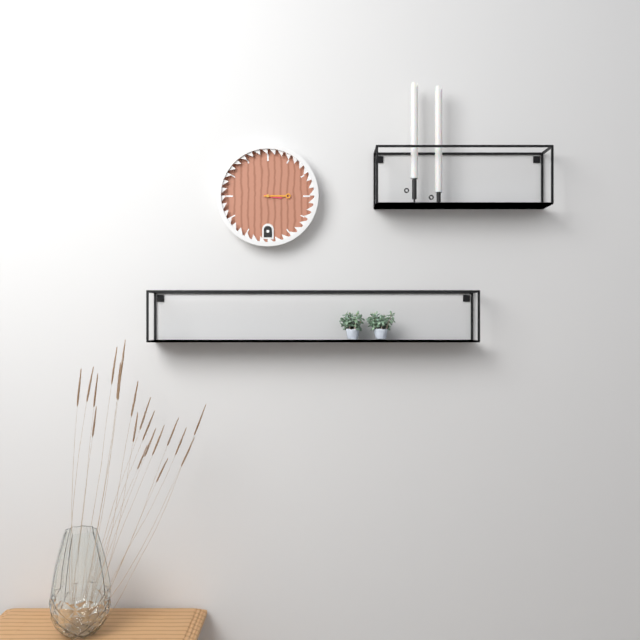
3.15
